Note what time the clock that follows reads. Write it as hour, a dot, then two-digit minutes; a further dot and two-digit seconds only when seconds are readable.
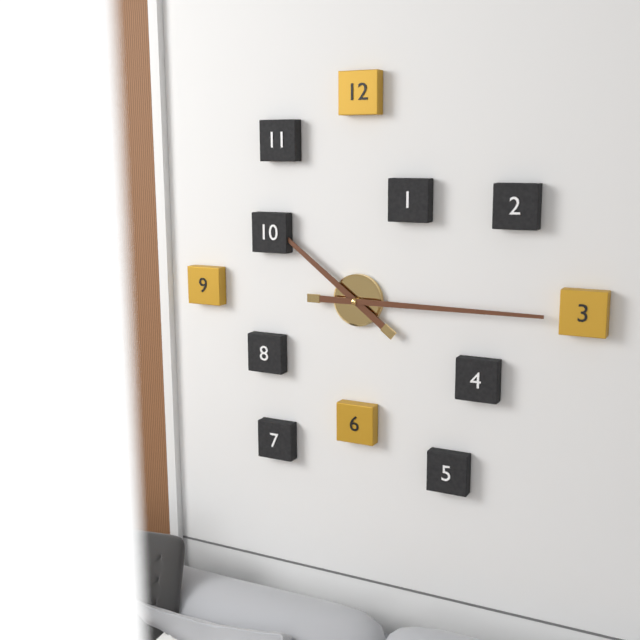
10.15
